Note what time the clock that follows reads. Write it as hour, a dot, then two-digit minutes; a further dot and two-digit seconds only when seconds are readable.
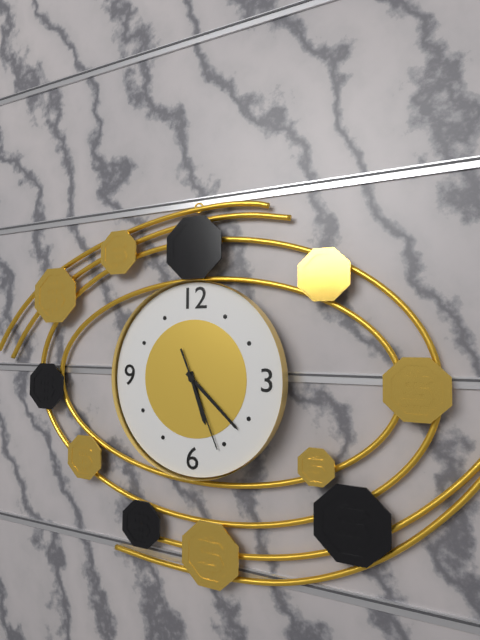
5.22.26
